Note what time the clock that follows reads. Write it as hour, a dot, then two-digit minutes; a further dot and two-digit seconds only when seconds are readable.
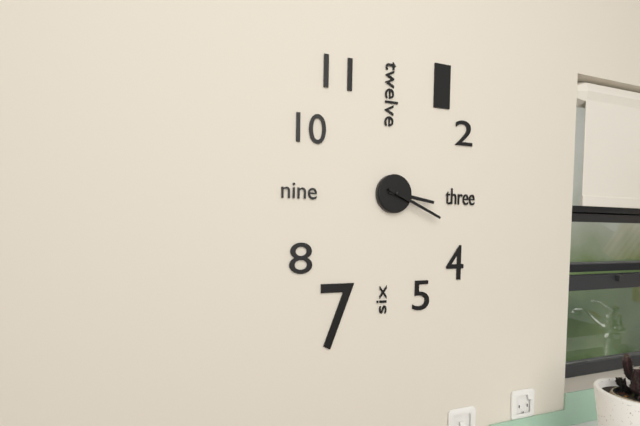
3.19
